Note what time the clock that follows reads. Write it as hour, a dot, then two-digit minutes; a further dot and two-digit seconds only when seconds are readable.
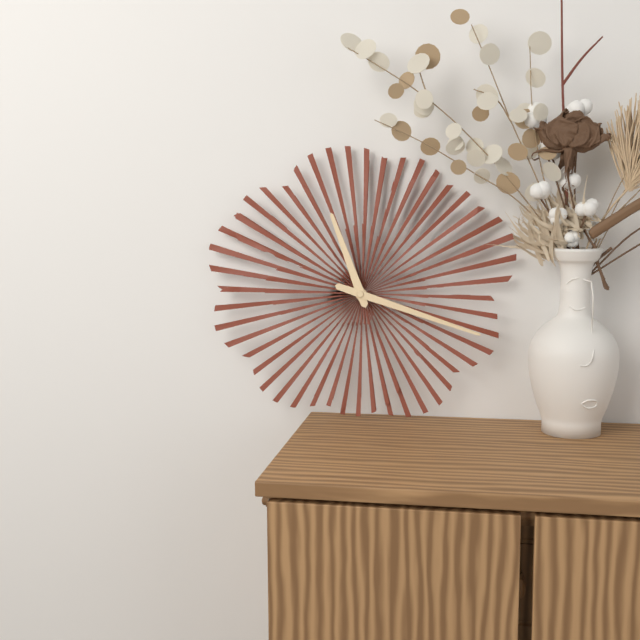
11.18
